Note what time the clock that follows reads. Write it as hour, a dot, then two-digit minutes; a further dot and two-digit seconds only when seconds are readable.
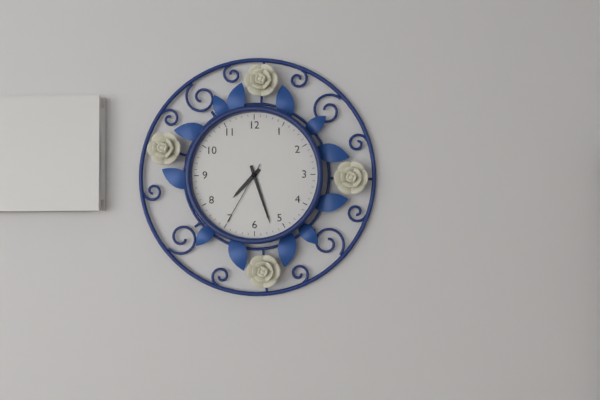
7.27.35
